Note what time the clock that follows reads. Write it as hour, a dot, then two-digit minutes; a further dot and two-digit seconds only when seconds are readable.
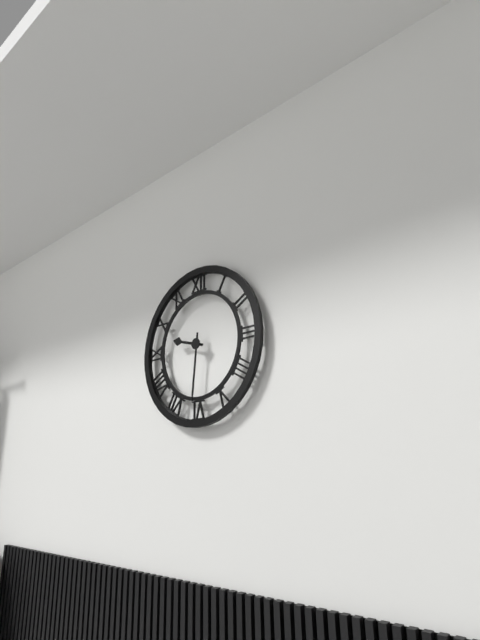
9.31
